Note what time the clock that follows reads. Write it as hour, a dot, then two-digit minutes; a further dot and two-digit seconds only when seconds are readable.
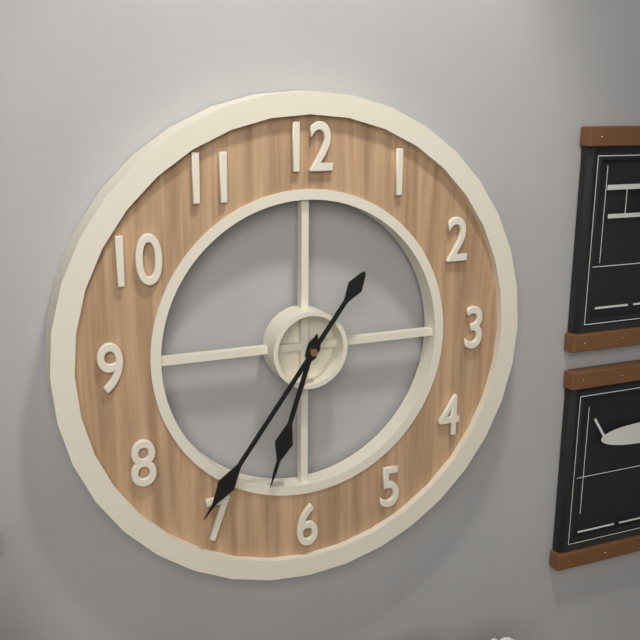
6.36
